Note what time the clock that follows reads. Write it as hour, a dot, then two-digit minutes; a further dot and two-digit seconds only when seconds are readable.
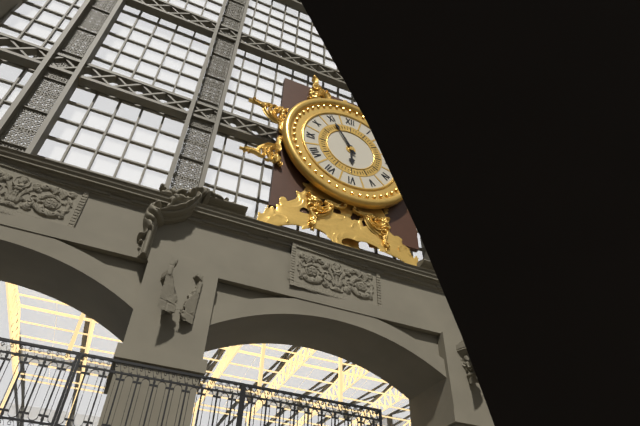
5.55
